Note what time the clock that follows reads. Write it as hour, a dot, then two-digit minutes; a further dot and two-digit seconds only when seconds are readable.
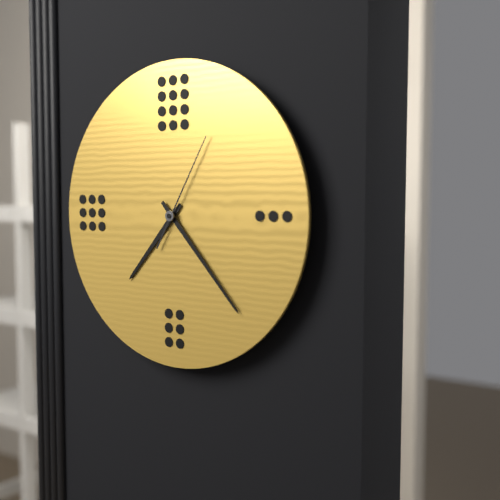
7.23.05
